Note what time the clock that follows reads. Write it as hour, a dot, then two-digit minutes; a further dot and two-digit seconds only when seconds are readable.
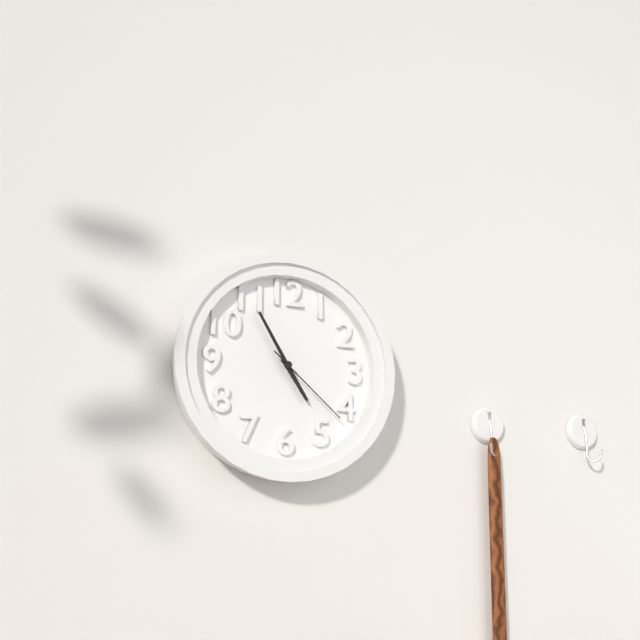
4.55.22
